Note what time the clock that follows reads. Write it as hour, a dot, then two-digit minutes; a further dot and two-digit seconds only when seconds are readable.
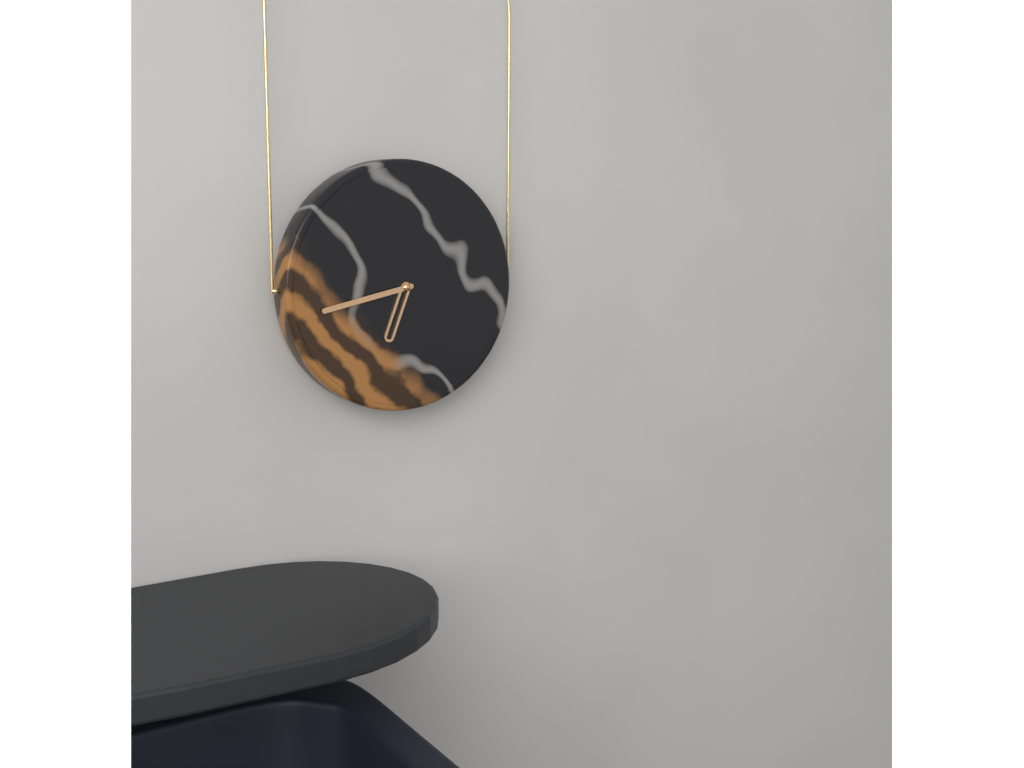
6.43
